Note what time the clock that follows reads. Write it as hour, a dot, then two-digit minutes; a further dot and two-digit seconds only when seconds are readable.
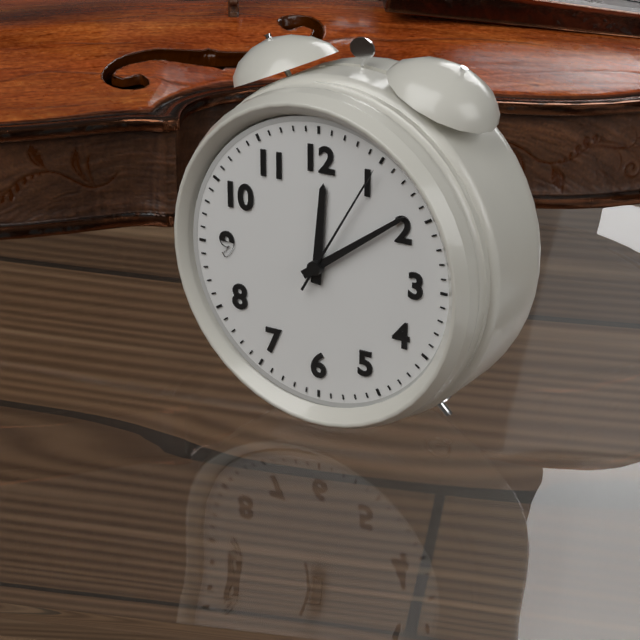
12.09.05
